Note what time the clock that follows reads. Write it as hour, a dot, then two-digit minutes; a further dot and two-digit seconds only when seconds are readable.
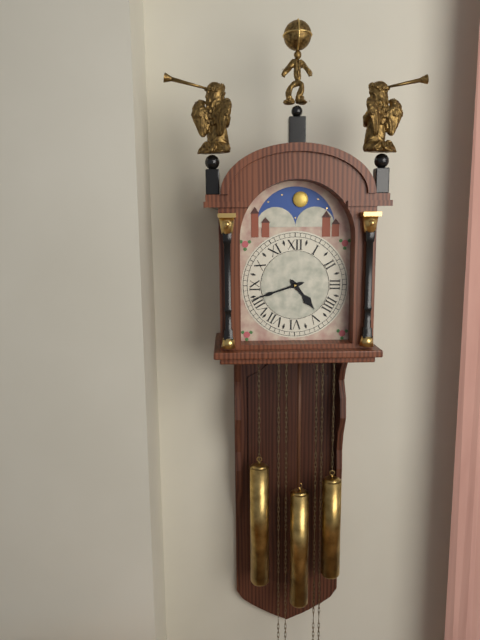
4.42
